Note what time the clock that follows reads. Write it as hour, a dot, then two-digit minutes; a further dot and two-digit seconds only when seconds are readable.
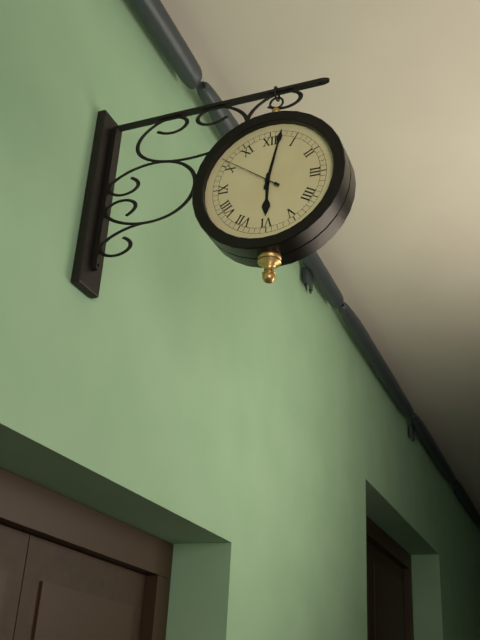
6.02.51
